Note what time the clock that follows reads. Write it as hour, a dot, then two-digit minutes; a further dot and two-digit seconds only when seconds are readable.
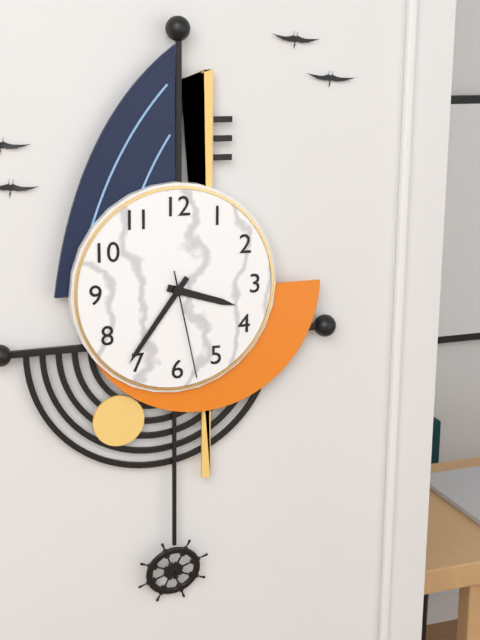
3.36.28
